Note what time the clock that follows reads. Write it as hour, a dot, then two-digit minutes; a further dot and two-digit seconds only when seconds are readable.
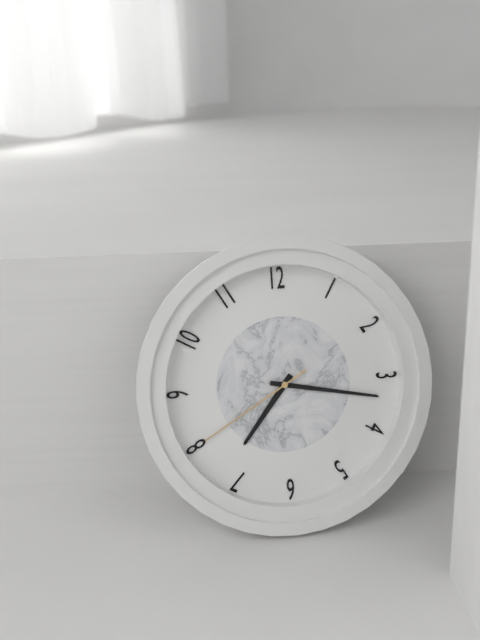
7.17.40
